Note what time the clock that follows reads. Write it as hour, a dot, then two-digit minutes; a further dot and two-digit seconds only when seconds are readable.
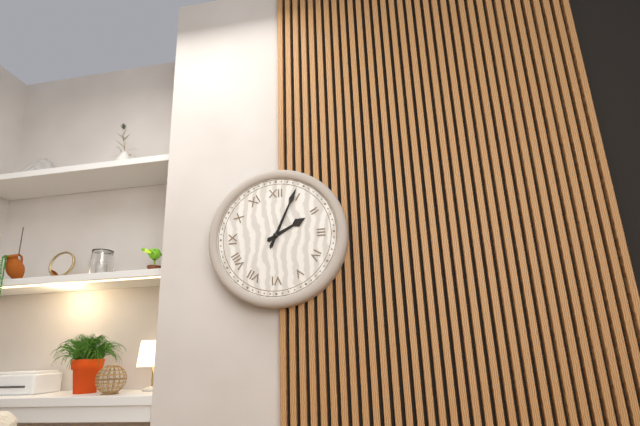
2.04
